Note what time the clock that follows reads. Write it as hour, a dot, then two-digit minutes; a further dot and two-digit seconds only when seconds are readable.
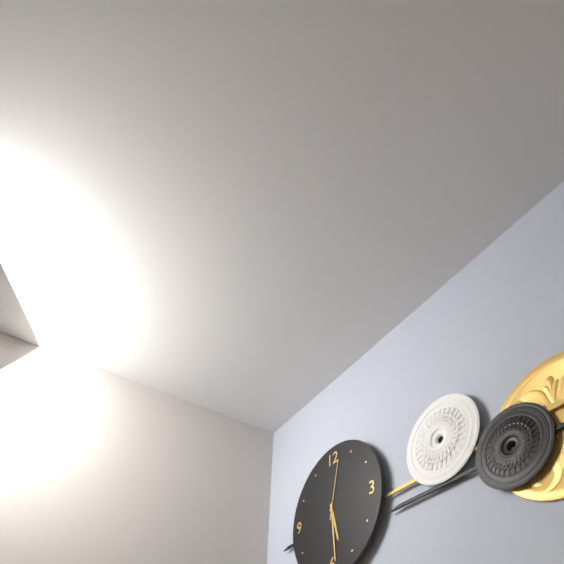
5.29.02
